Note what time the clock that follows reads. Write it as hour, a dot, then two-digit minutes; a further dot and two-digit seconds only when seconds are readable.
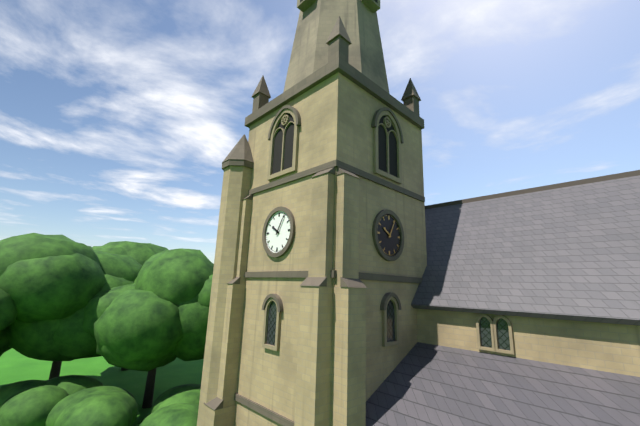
10.05
